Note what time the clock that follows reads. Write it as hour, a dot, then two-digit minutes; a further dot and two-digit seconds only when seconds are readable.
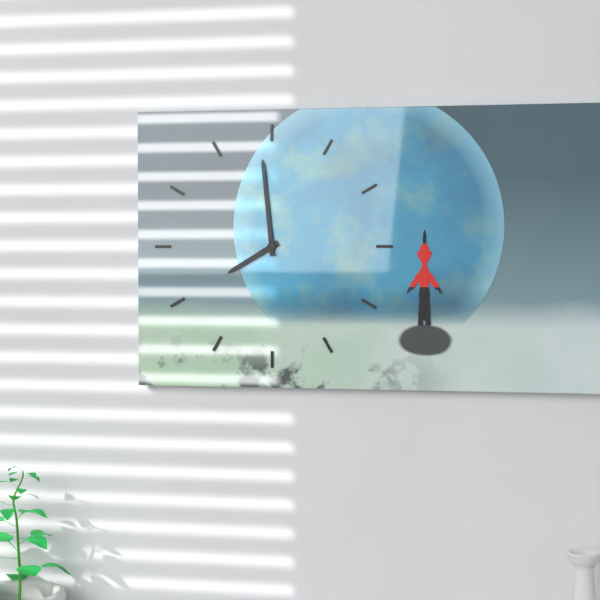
7.59
